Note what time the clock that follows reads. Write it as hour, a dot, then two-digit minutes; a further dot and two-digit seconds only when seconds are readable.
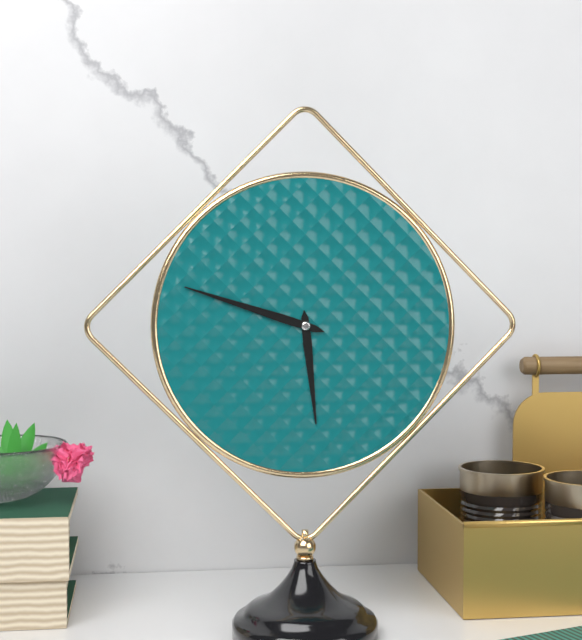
5.48
